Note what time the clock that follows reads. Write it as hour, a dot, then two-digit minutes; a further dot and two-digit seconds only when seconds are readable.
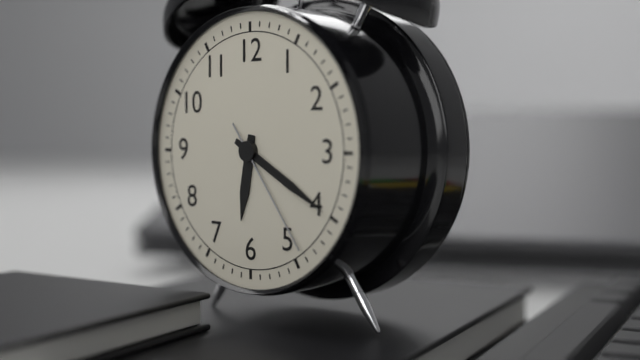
6.20.24
